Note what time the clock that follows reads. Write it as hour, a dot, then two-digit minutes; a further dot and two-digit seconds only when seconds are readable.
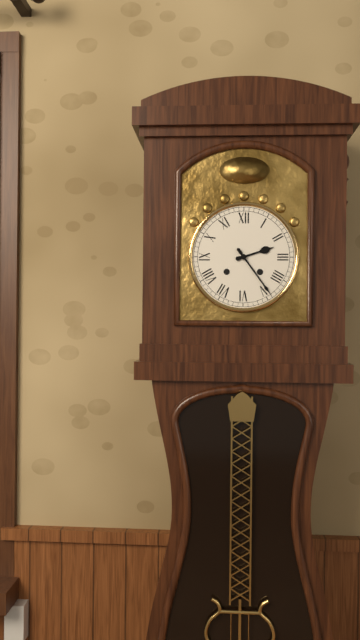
2.24
